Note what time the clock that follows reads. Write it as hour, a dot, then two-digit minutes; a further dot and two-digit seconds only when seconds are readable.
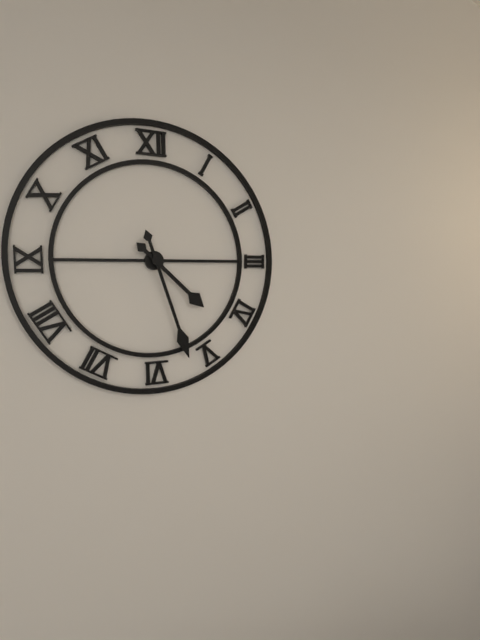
4.27
